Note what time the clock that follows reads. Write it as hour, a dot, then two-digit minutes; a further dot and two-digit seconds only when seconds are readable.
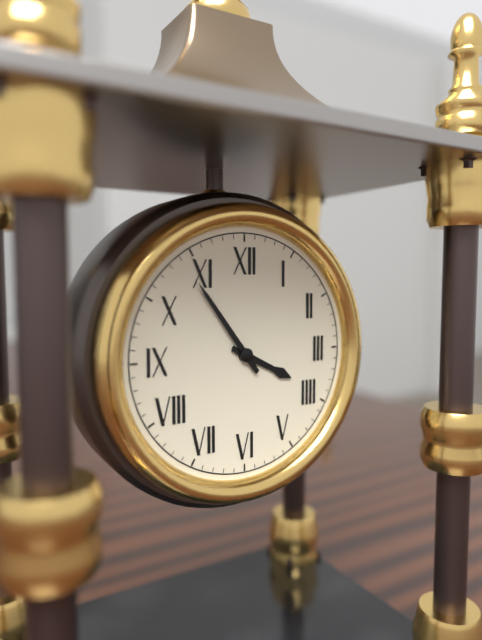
3.54
